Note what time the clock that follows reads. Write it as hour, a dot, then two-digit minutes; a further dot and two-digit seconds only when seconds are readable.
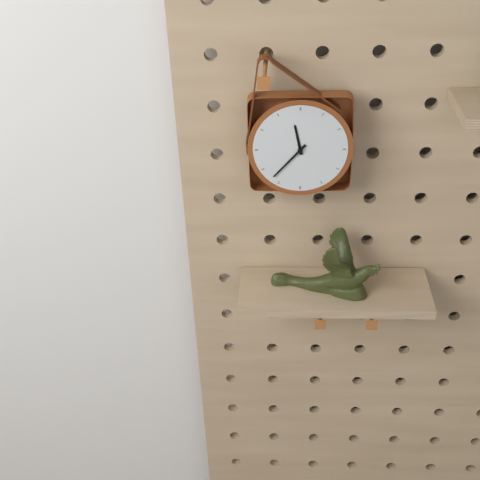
11.37
